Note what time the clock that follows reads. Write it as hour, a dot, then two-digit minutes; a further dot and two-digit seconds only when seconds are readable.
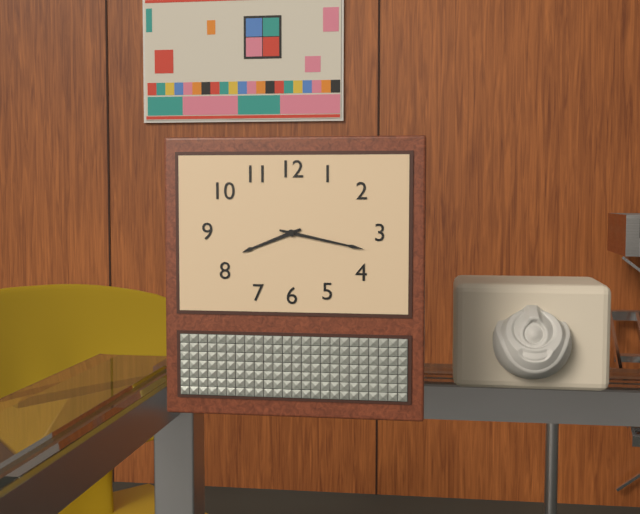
8.17
